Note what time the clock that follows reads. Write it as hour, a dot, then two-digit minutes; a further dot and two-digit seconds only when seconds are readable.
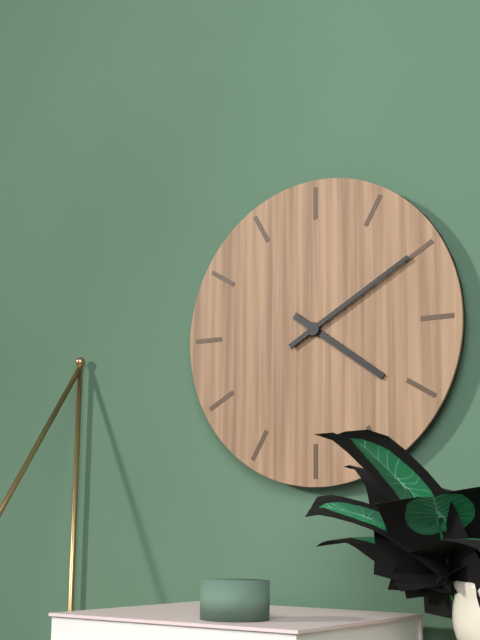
4.10
